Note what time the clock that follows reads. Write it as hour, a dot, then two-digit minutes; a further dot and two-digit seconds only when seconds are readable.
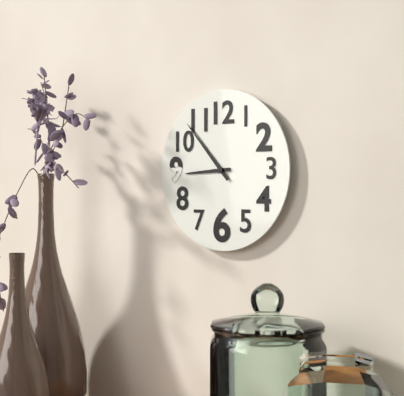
8.53
